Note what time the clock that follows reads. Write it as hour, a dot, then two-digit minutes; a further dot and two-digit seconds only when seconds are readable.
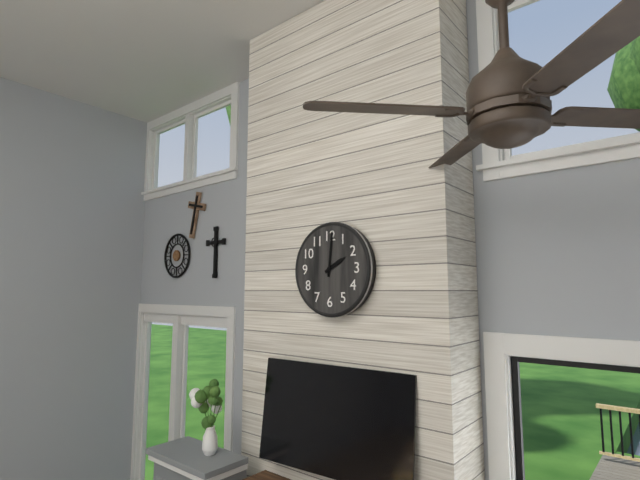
2.01
